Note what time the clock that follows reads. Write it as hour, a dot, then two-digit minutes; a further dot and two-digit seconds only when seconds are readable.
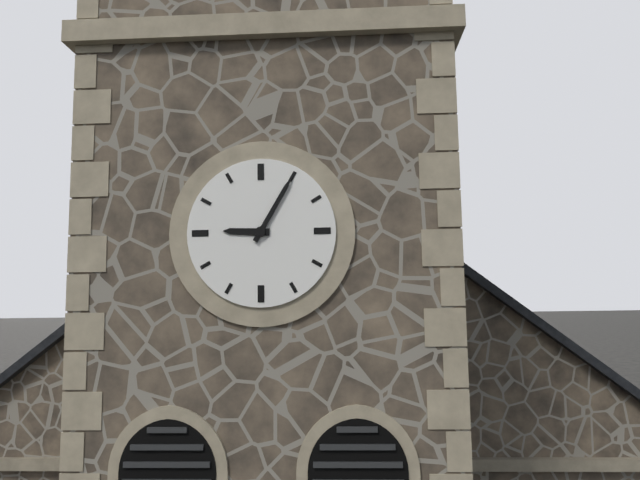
9.05
